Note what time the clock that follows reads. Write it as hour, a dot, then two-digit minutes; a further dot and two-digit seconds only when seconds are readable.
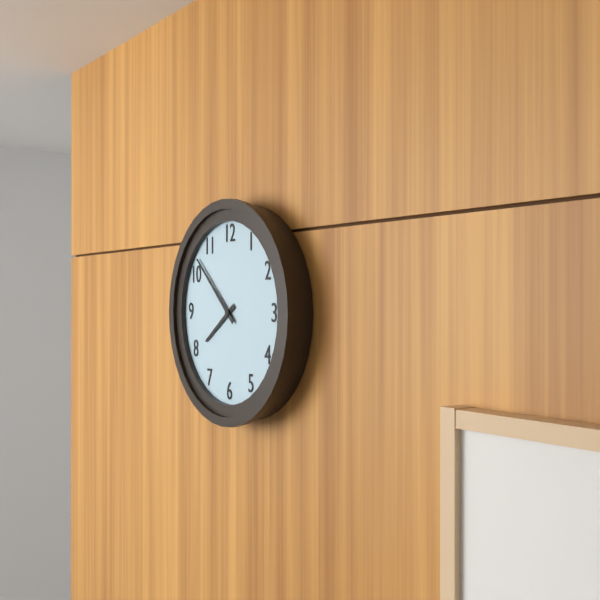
7.52
